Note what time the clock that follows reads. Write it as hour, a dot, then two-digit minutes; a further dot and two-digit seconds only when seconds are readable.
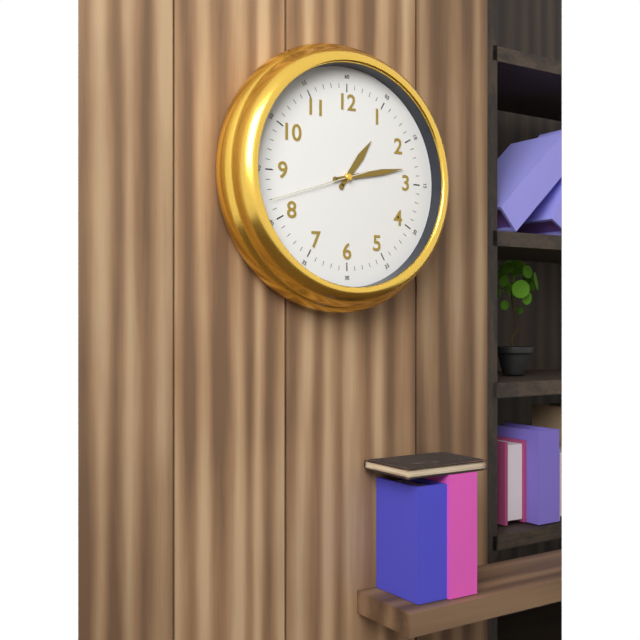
1.13.42
